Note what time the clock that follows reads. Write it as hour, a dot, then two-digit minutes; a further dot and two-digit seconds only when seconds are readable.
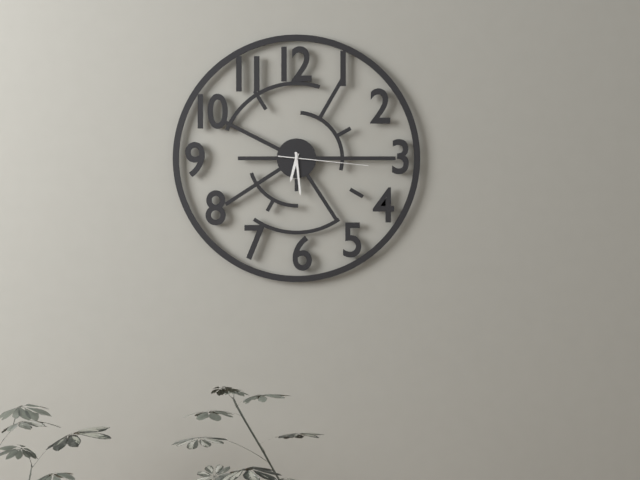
6.29.16
